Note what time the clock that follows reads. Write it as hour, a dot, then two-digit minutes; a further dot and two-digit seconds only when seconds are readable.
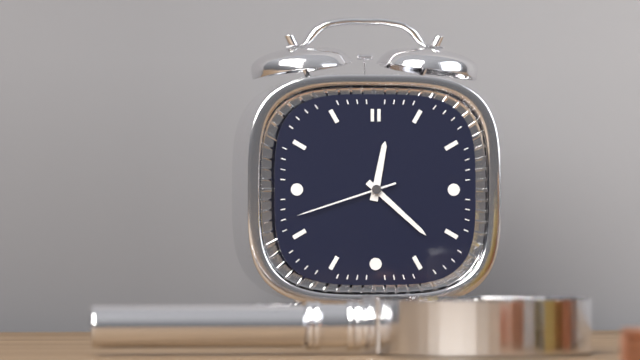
12.22.42
